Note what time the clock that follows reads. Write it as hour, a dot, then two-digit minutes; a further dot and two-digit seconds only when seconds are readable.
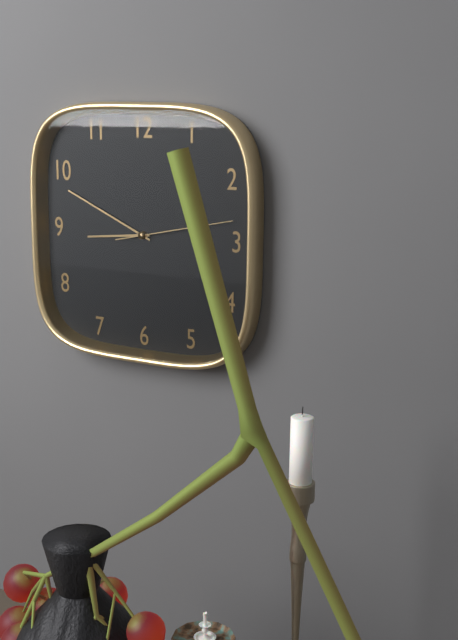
8.49.13
